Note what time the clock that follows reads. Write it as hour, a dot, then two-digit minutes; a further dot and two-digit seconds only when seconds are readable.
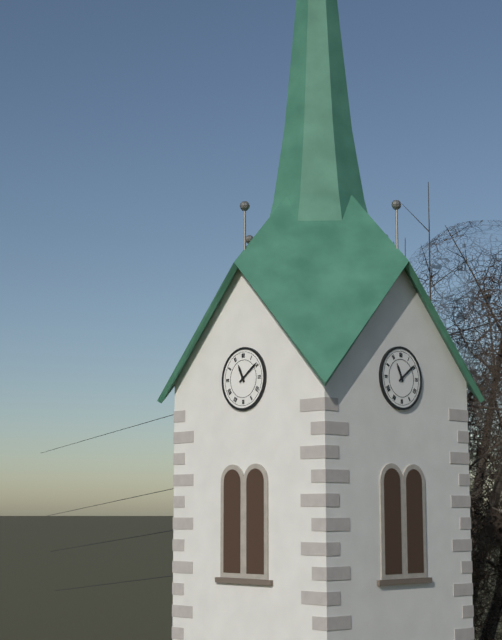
11.09
